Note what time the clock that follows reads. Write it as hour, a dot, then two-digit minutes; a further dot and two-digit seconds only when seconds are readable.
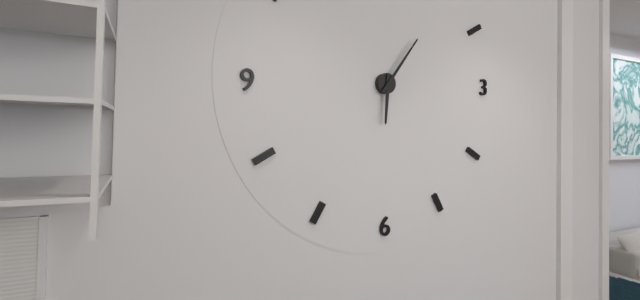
6.06
